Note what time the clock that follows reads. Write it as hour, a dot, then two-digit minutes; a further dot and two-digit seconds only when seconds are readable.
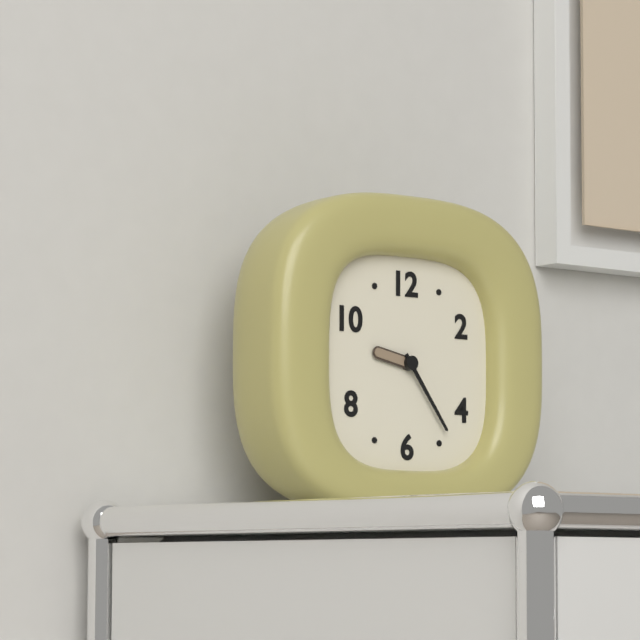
9.24
